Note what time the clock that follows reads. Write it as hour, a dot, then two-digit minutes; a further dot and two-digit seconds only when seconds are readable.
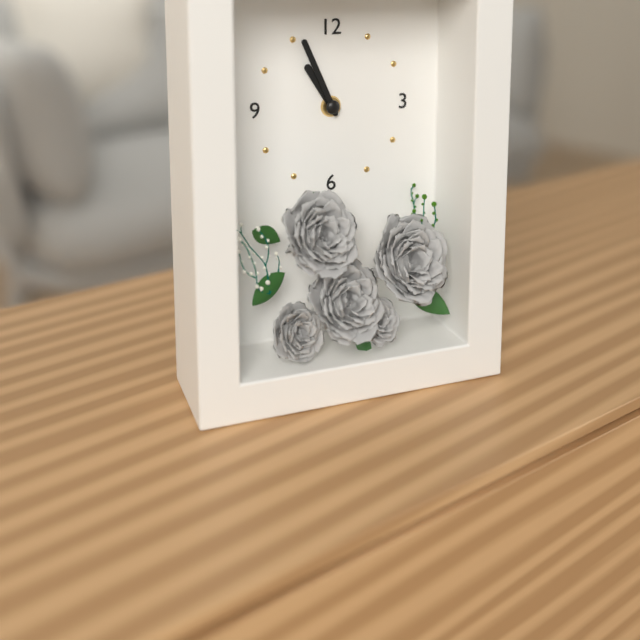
10.56
